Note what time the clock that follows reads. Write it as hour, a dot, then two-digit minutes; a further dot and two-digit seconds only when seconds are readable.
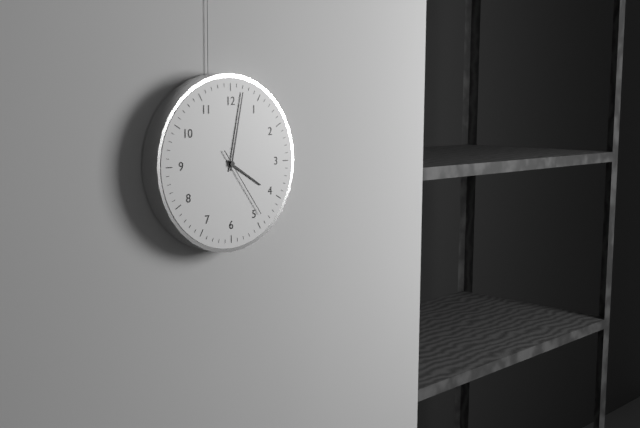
4.02.24
